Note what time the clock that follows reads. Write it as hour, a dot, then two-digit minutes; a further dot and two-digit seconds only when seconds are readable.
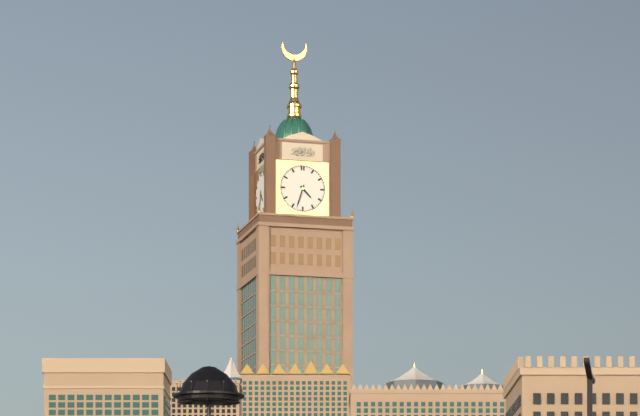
4.33
